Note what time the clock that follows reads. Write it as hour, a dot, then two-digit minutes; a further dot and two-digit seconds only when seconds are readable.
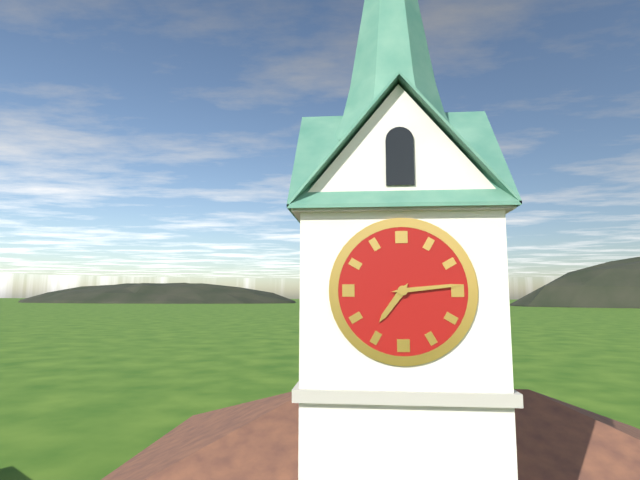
7.14
